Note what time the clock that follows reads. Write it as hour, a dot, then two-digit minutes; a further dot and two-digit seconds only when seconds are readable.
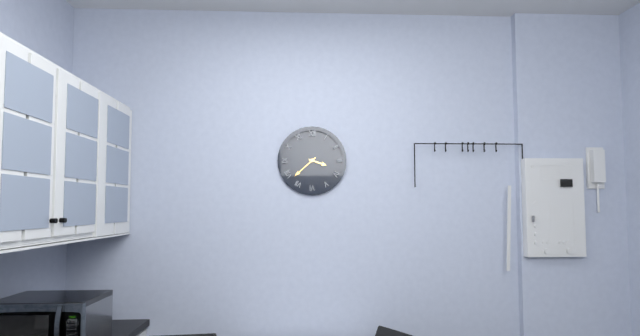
3.38
